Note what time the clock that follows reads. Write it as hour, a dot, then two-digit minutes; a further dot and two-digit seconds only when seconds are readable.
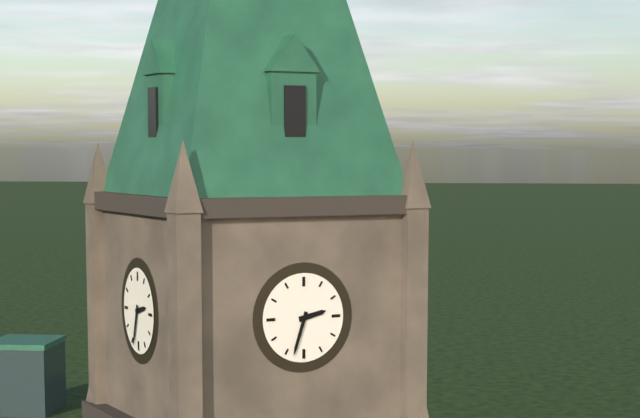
2.33
